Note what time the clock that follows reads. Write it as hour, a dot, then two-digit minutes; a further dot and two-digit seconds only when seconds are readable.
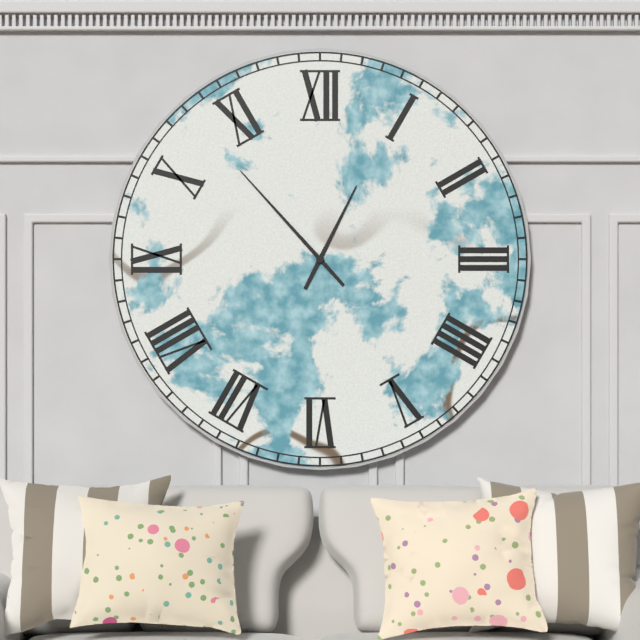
12.53
